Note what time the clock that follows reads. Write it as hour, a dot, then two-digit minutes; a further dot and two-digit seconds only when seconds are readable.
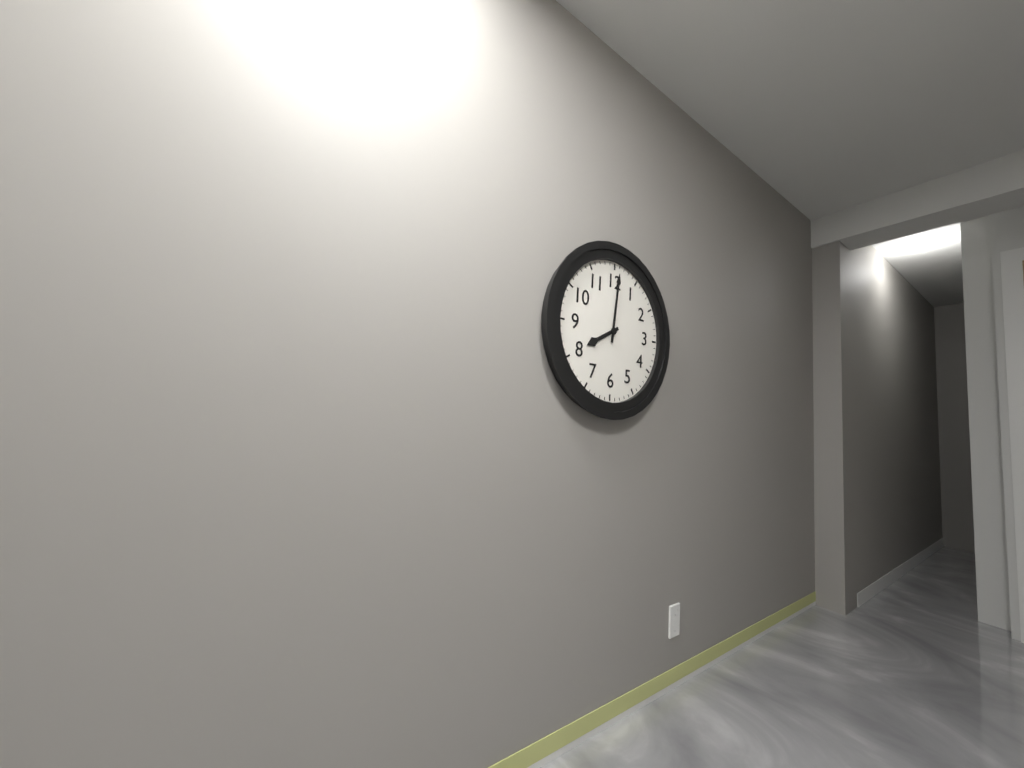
8.01
